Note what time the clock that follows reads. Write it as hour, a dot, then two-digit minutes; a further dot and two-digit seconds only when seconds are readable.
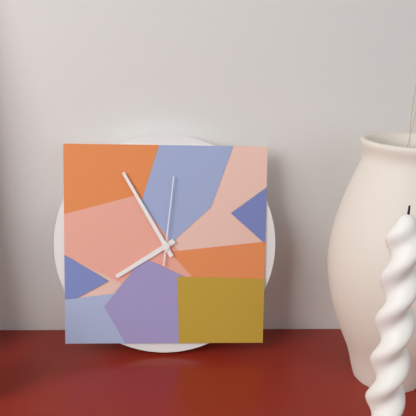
7.55.01
